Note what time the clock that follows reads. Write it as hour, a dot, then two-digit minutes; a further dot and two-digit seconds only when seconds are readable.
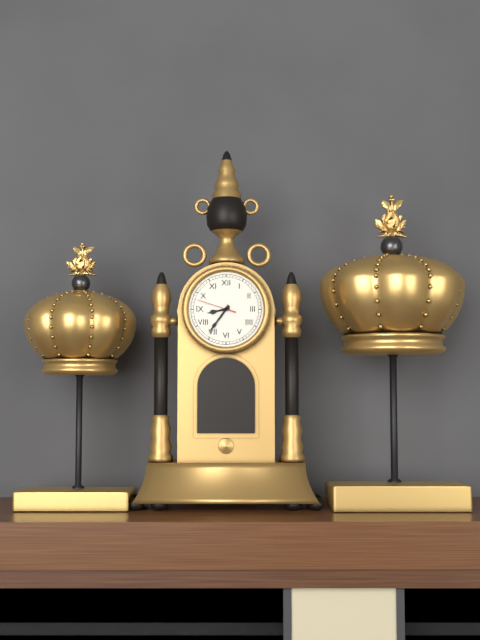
8.36
